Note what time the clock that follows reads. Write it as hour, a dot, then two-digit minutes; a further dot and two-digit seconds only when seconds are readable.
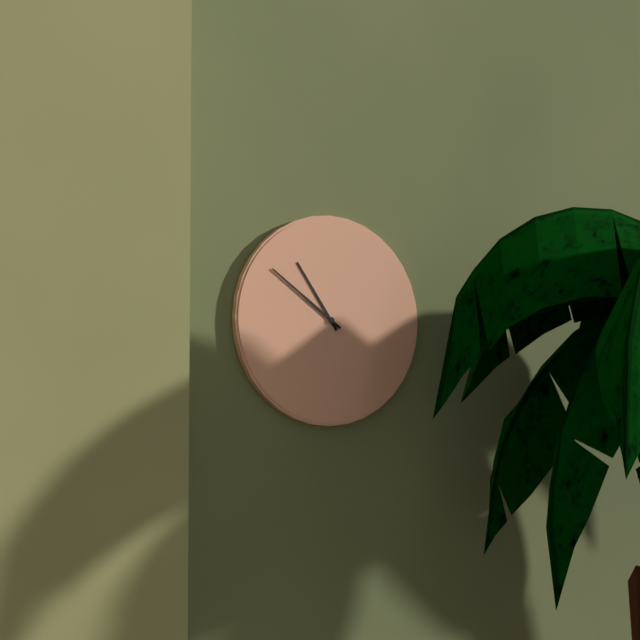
10.51
